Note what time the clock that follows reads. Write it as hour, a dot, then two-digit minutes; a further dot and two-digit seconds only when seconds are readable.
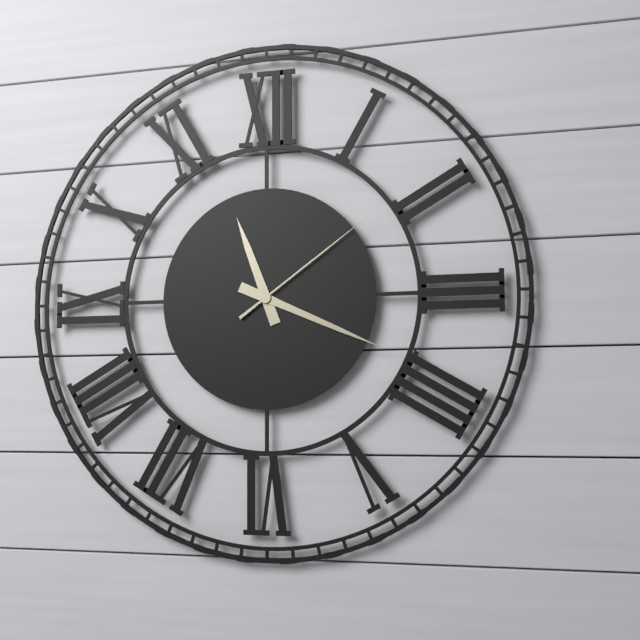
11.19.09
